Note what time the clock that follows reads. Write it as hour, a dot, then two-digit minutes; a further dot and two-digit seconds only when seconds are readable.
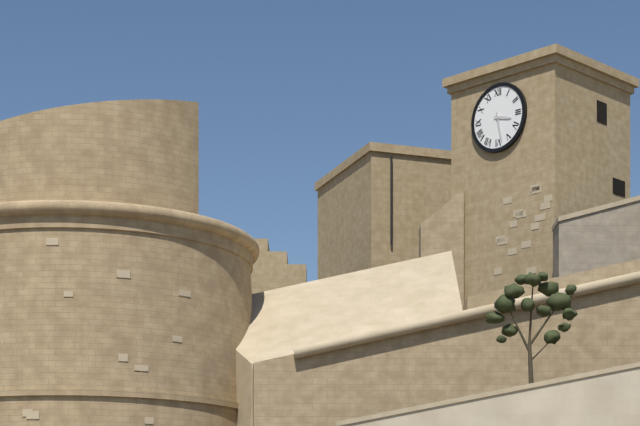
3.28
